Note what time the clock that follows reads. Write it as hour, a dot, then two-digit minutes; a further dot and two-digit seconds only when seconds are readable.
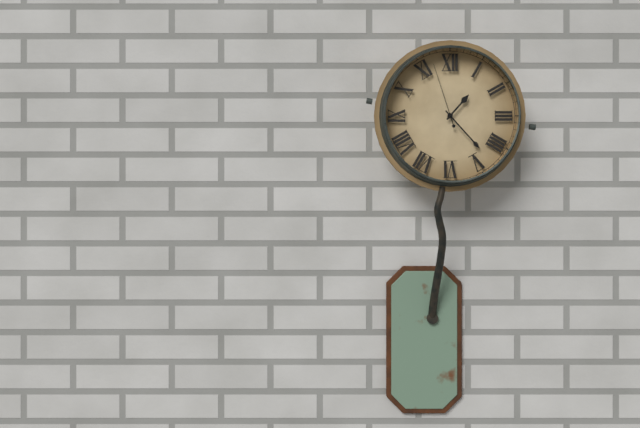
1.23.57
